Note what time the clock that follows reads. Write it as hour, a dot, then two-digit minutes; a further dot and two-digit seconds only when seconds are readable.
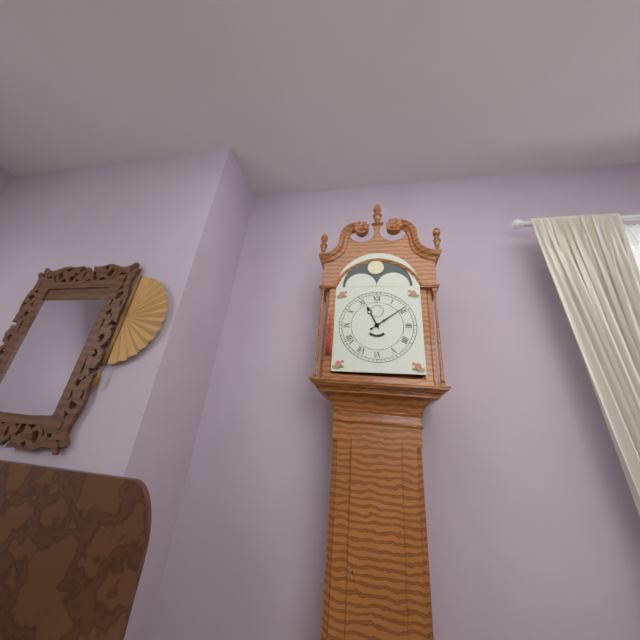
11.09
